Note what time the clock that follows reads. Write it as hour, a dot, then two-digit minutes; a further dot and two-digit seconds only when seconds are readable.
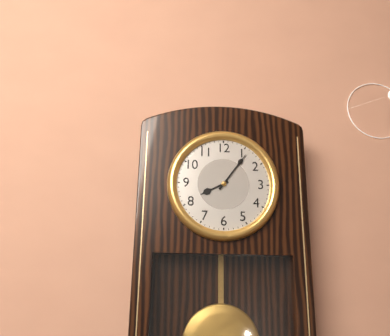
8.06
